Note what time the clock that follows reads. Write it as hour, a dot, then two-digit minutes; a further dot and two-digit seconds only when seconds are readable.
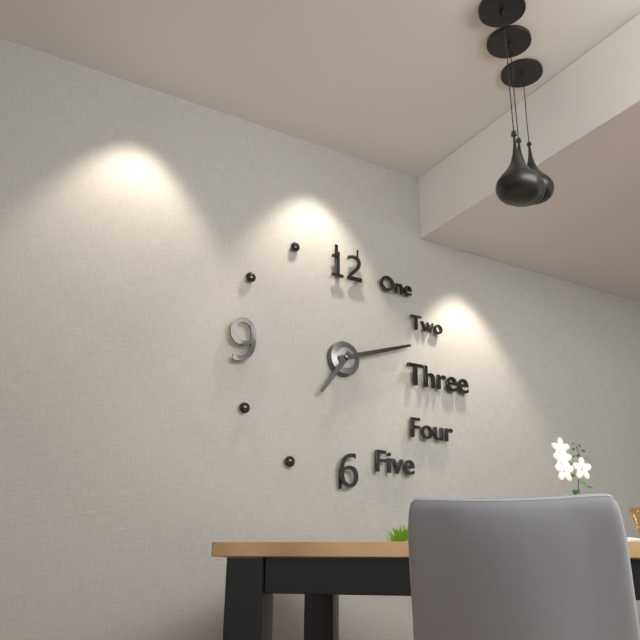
7.12
